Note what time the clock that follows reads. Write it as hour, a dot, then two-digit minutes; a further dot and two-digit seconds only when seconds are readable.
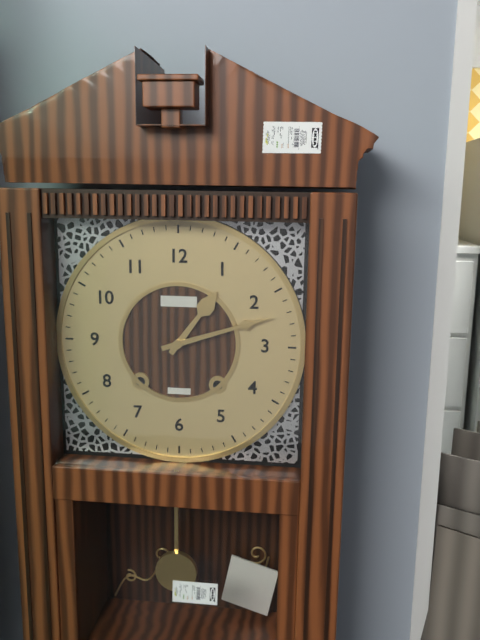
1.12
